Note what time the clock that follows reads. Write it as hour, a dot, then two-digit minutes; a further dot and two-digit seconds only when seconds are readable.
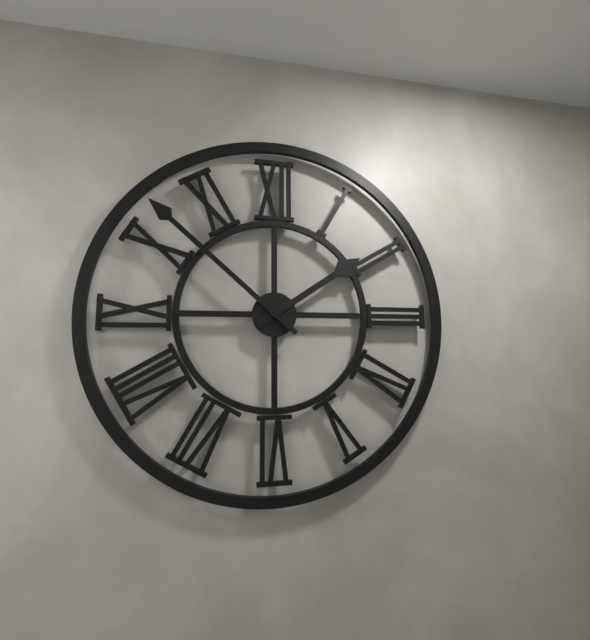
1.52
